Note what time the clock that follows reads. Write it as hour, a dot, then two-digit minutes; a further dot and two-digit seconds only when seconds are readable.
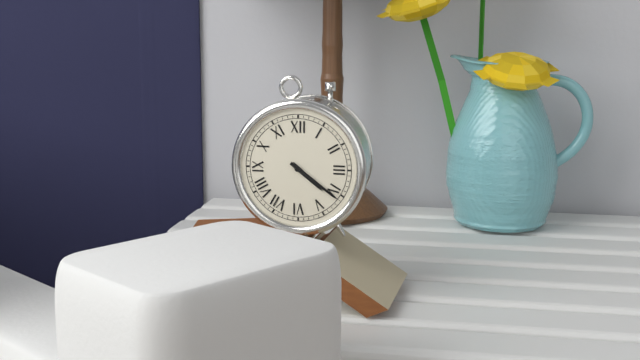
4.21
